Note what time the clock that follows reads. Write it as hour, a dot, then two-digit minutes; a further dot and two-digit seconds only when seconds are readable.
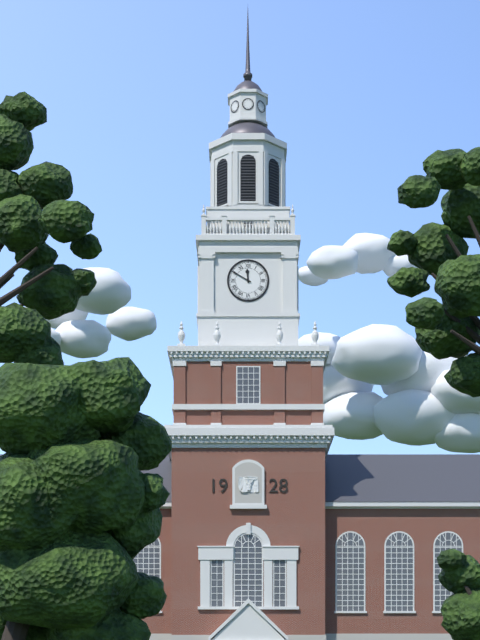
11.50
